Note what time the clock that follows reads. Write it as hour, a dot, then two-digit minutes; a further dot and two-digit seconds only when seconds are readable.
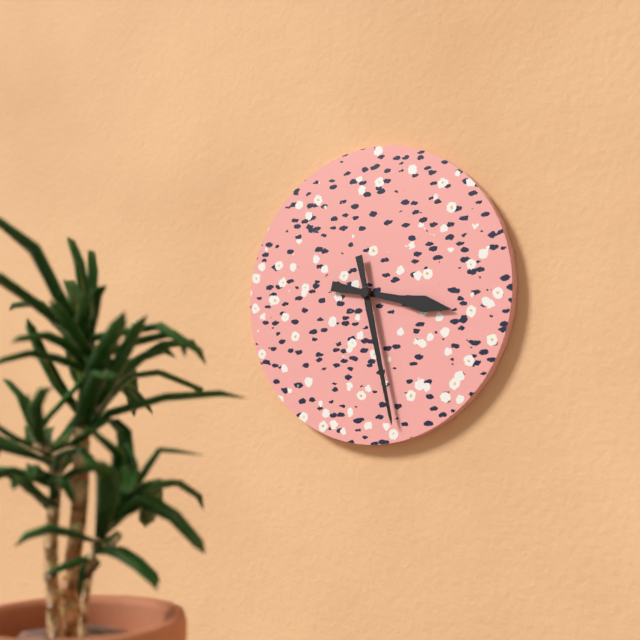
3.28
